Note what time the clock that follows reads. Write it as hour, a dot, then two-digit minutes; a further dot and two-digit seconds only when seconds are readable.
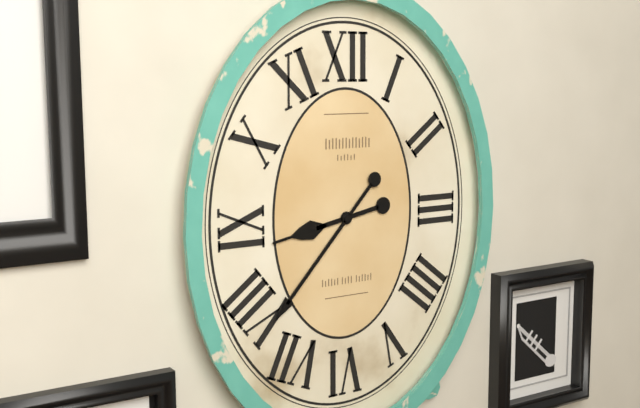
8.37
